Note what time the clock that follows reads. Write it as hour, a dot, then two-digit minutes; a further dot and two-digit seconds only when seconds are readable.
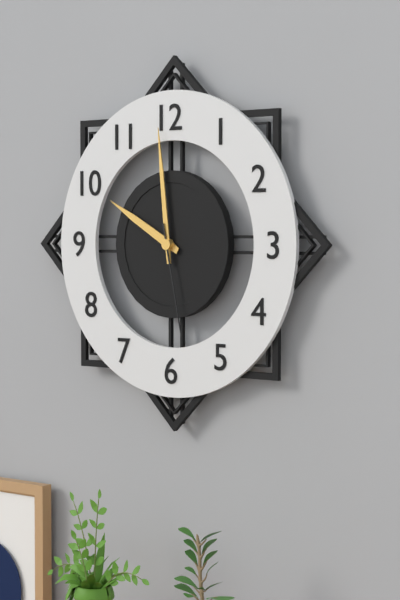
9.59.28
